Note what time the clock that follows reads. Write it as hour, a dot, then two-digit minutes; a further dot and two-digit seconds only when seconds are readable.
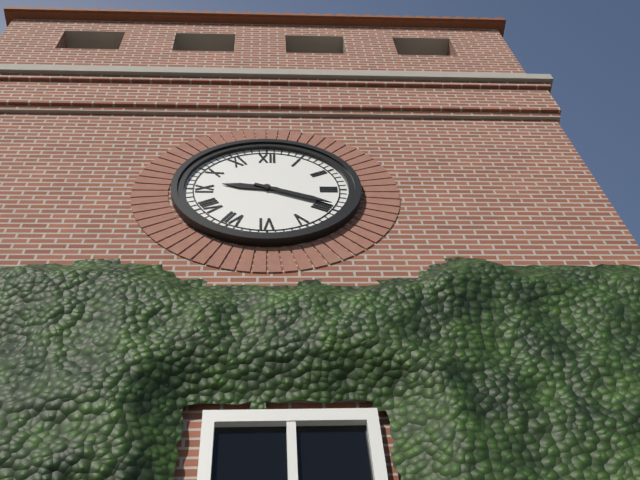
9.19
